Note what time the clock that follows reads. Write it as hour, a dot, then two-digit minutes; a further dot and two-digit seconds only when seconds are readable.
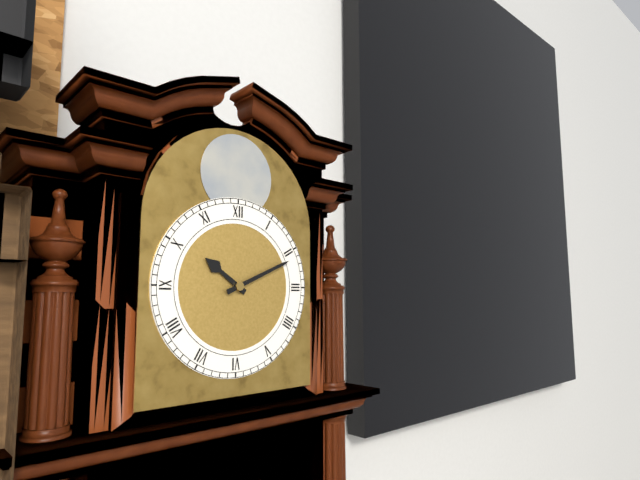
10.11
